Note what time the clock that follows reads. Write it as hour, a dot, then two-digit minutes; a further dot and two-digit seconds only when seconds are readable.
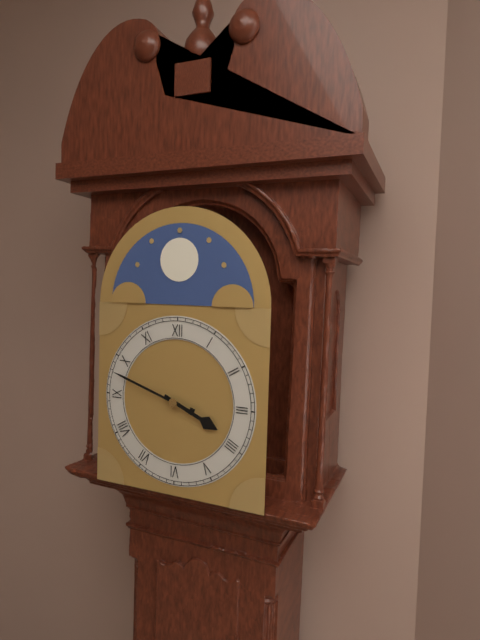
3.48
